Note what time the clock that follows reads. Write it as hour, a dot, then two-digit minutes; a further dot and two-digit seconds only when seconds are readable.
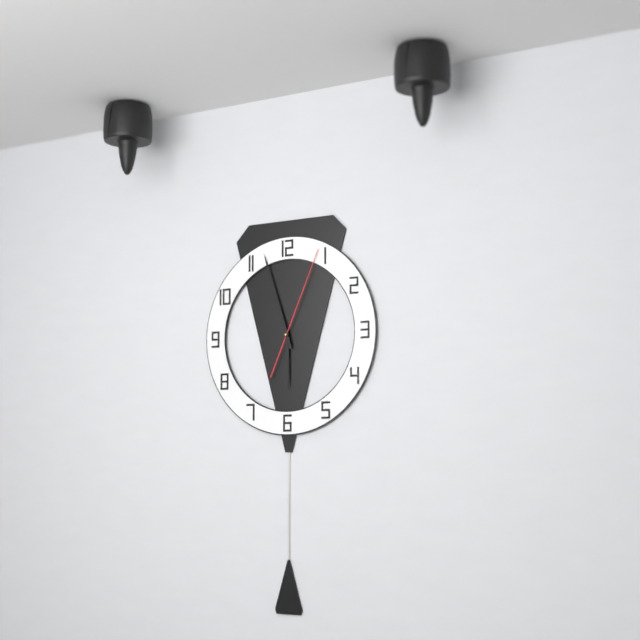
5.57.04
